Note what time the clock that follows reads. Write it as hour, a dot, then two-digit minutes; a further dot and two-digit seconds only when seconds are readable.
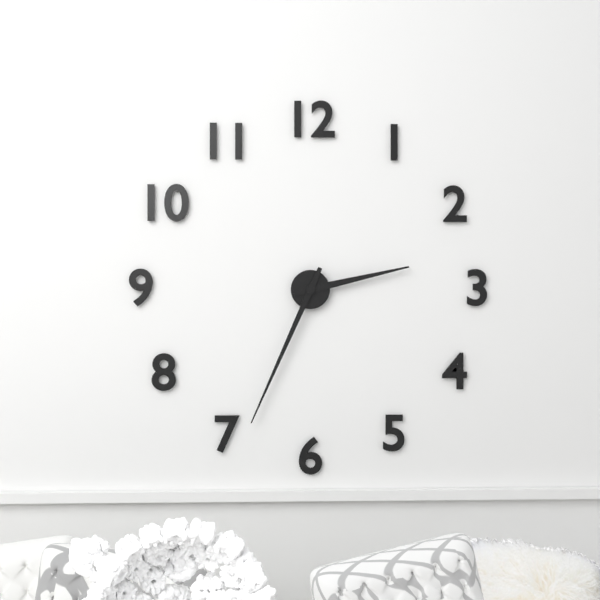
2.34
